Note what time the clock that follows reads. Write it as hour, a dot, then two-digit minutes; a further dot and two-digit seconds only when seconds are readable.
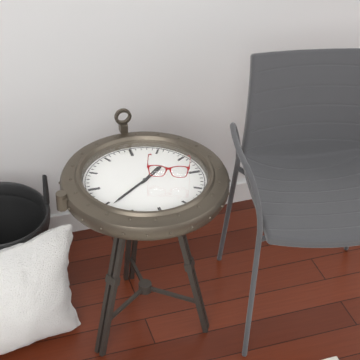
1.39
